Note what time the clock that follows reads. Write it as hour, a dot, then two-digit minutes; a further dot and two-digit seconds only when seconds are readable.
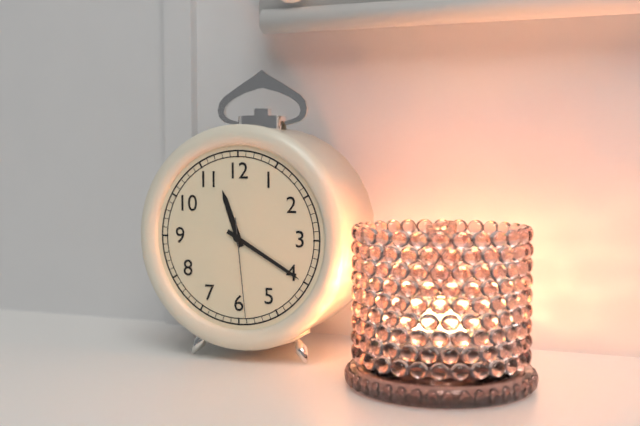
11.20.29
